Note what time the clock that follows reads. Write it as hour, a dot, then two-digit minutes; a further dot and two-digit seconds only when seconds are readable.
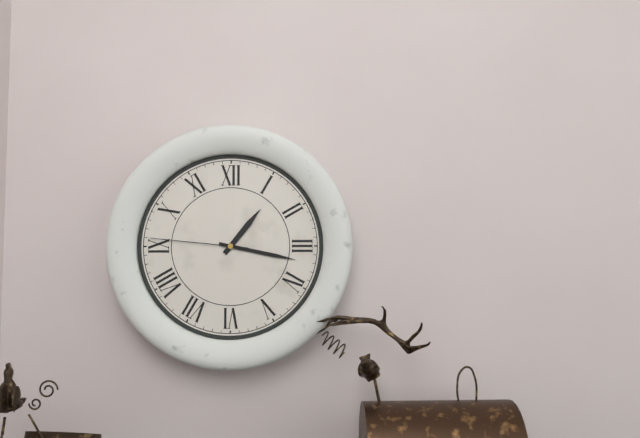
1.17.46
